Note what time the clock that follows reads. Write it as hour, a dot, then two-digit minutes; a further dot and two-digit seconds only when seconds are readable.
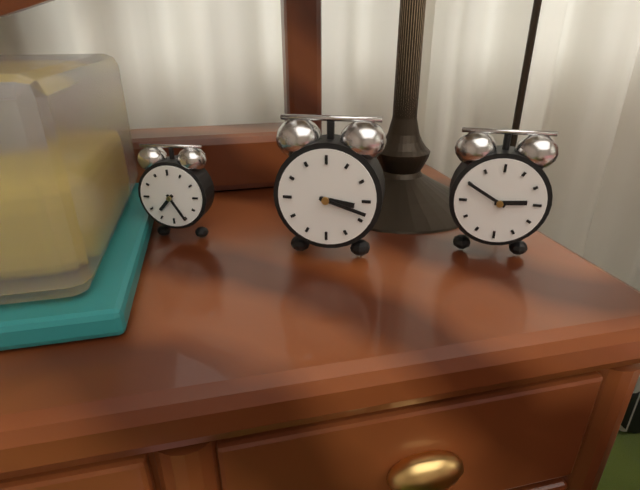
3.18
